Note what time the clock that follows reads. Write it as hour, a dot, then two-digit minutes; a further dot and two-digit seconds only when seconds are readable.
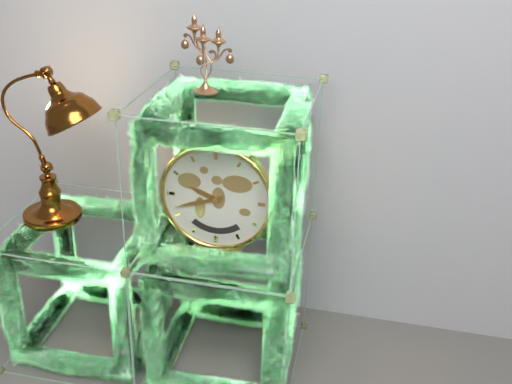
9.42
